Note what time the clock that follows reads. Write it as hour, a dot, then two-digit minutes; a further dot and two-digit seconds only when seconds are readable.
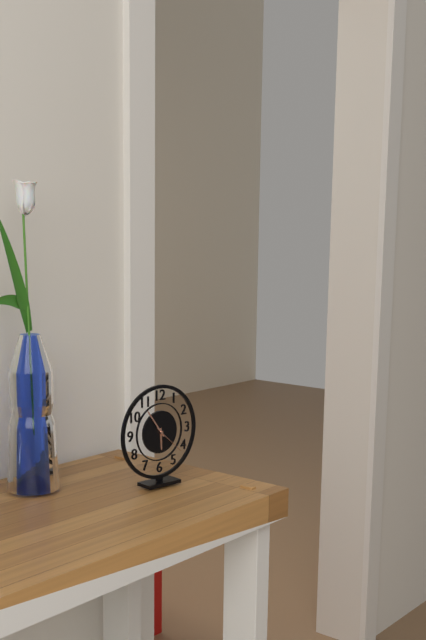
5.54
